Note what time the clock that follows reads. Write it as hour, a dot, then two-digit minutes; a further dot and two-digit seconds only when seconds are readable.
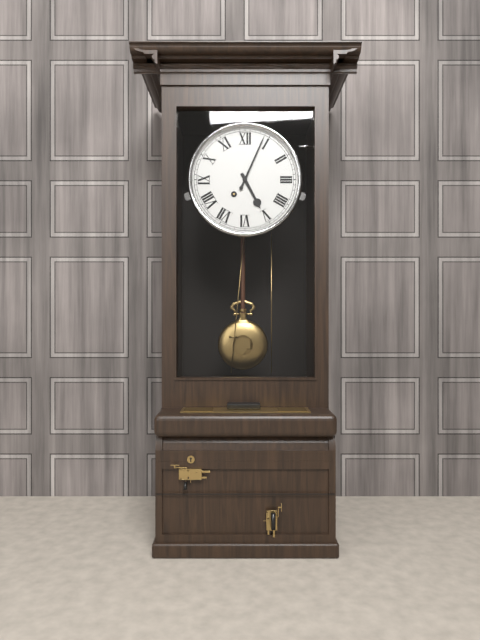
5.04
